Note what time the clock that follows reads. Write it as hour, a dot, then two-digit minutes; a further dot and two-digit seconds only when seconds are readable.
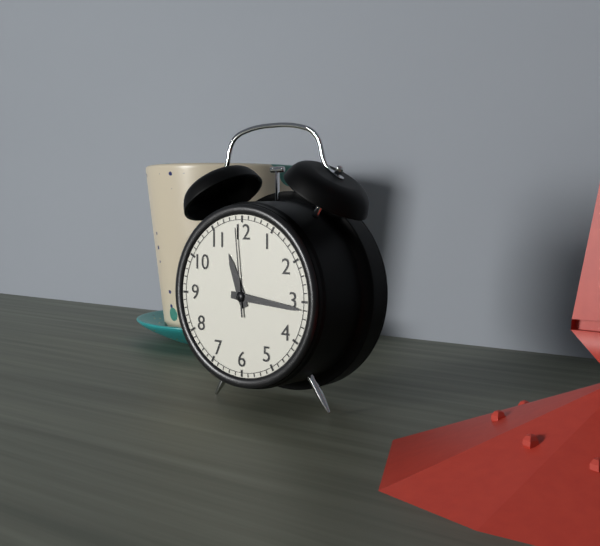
11.16.59
